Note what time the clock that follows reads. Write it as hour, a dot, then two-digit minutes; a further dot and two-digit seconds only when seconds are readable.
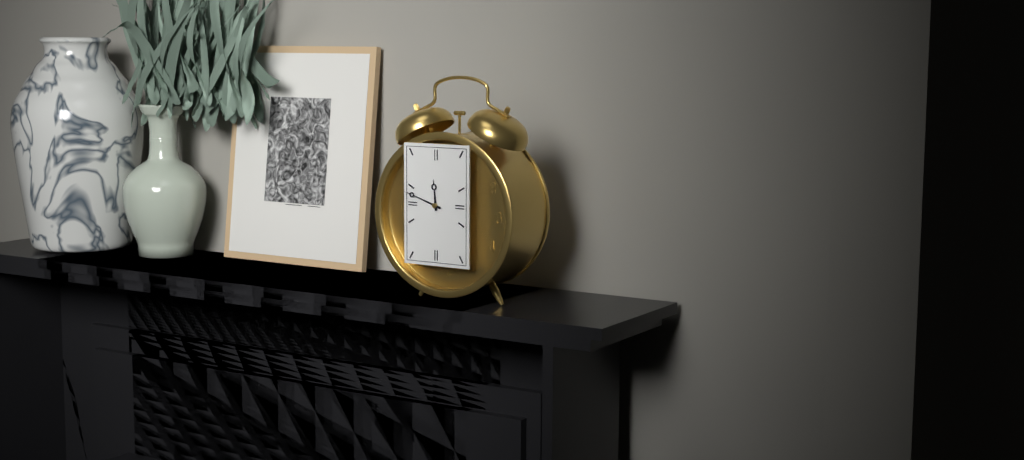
11.48
